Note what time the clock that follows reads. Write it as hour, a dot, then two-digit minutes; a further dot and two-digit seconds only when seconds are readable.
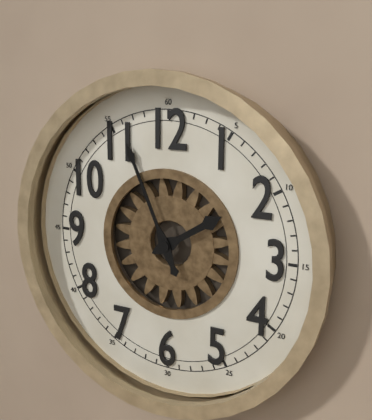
1.56
